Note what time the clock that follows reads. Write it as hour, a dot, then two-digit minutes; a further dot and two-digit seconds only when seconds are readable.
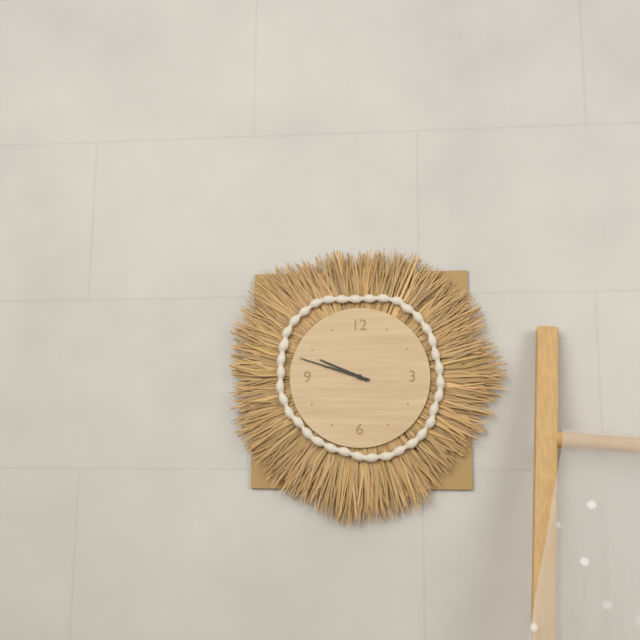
9.48
